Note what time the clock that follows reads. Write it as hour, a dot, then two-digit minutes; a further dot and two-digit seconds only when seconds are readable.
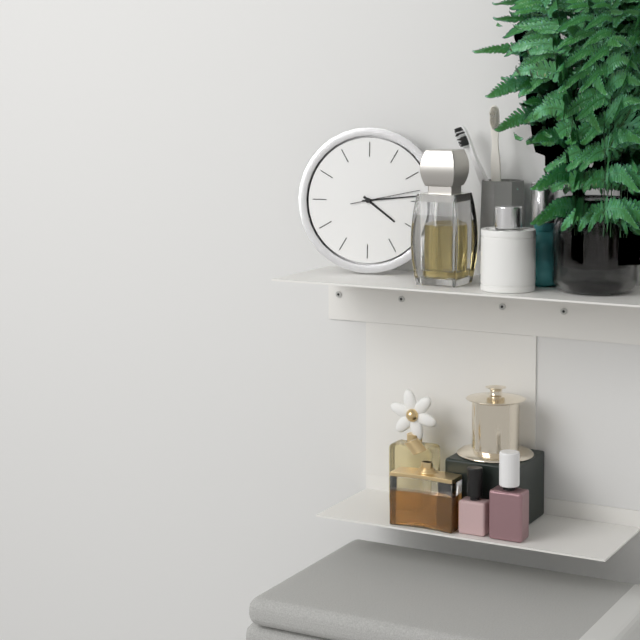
4.14.13
